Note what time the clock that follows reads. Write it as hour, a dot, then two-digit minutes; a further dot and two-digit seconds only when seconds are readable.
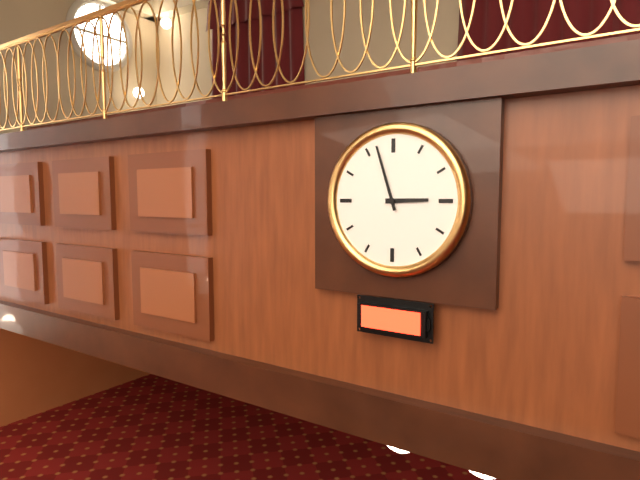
2.57
